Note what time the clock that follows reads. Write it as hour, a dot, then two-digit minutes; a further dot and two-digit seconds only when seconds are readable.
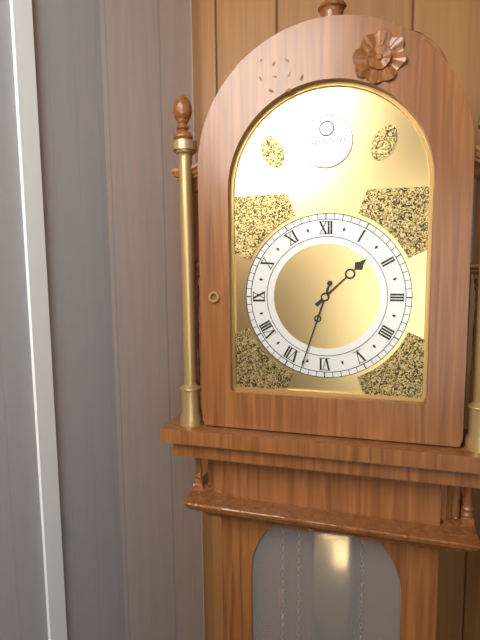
1.33
